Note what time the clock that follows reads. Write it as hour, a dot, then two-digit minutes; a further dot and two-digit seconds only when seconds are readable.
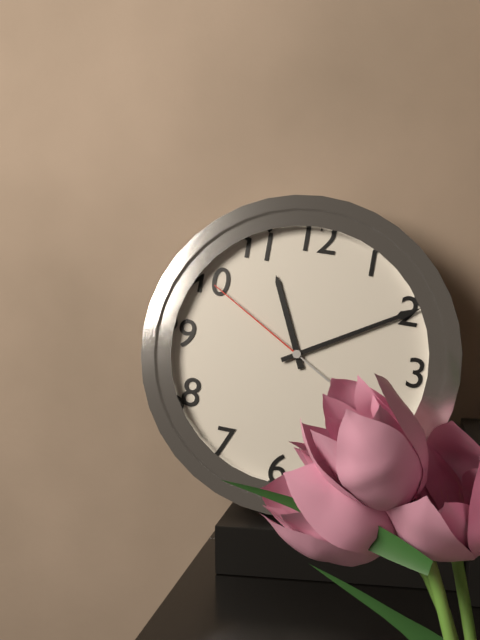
11.10.50
